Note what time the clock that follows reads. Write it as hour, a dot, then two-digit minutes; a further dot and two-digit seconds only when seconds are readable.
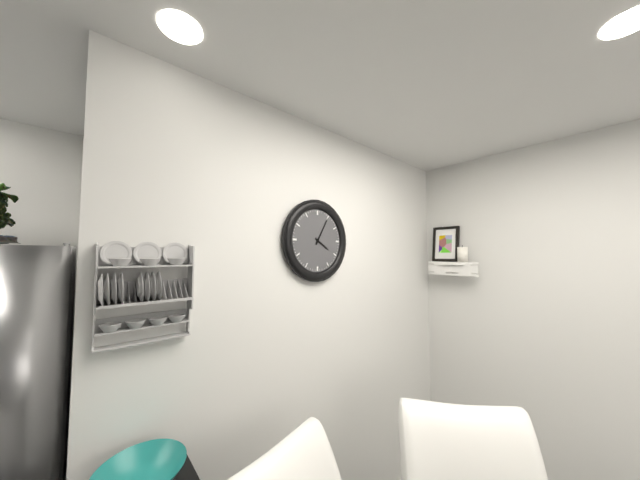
4.05
